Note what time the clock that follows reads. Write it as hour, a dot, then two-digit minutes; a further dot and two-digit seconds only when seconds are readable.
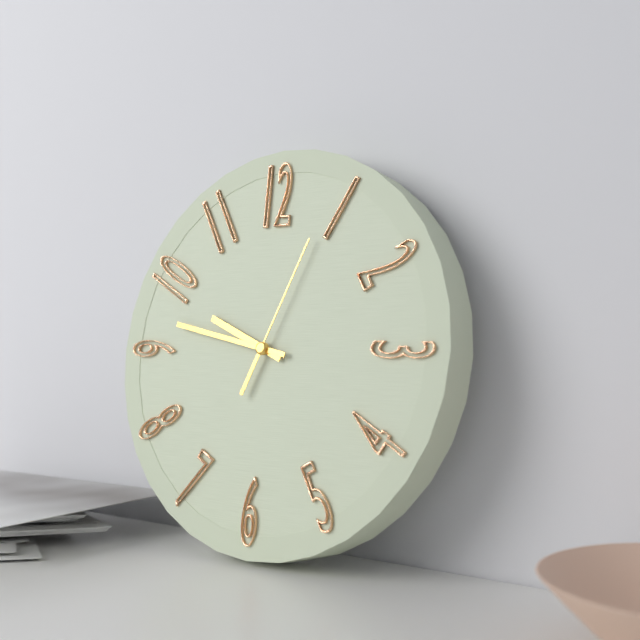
9.47.04
